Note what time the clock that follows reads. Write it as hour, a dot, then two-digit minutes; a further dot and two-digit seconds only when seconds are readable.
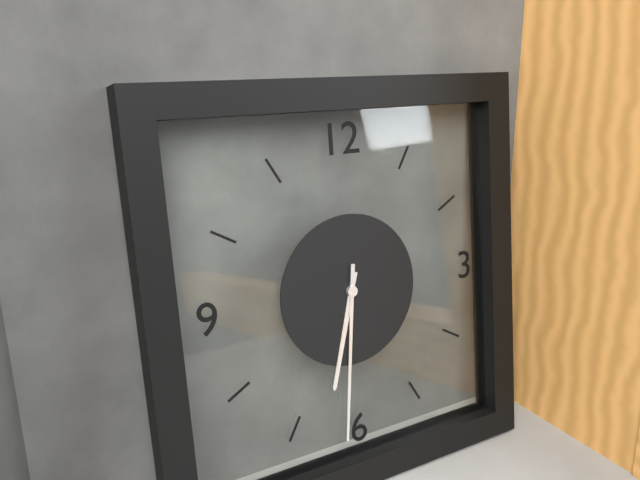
6.31
